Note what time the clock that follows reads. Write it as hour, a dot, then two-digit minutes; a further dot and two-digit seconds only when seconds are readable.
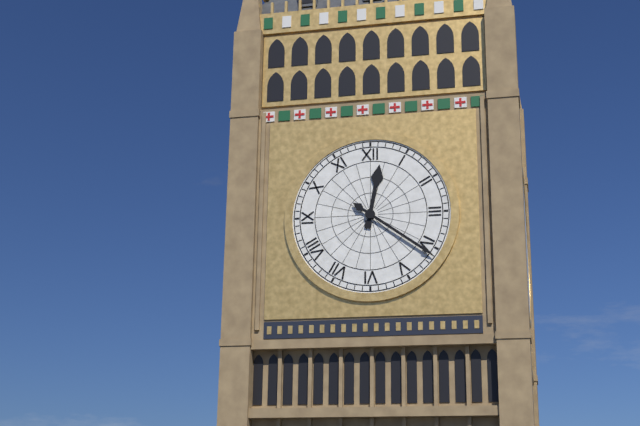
12.21
